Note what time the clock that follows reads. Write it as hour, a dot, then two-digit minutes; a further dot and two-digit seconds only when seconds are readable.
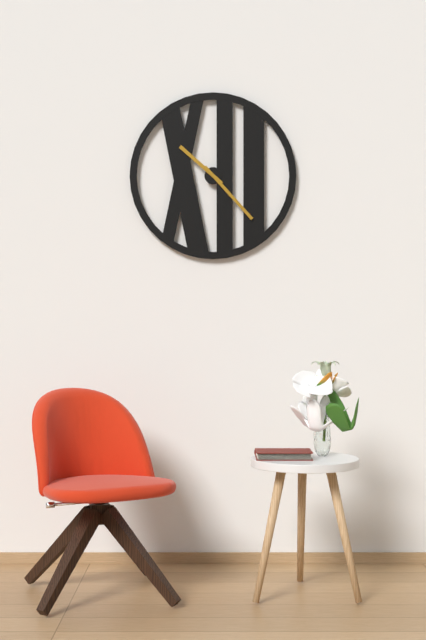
10.23
